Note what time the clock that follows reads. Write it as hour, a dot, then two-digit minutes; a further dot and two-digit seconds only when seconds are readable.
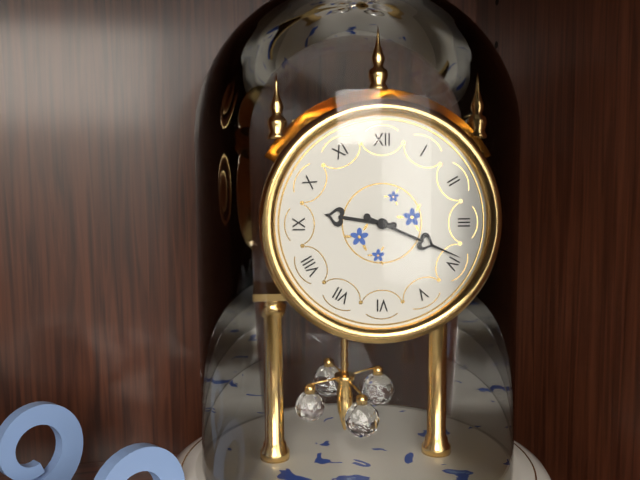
9.19
